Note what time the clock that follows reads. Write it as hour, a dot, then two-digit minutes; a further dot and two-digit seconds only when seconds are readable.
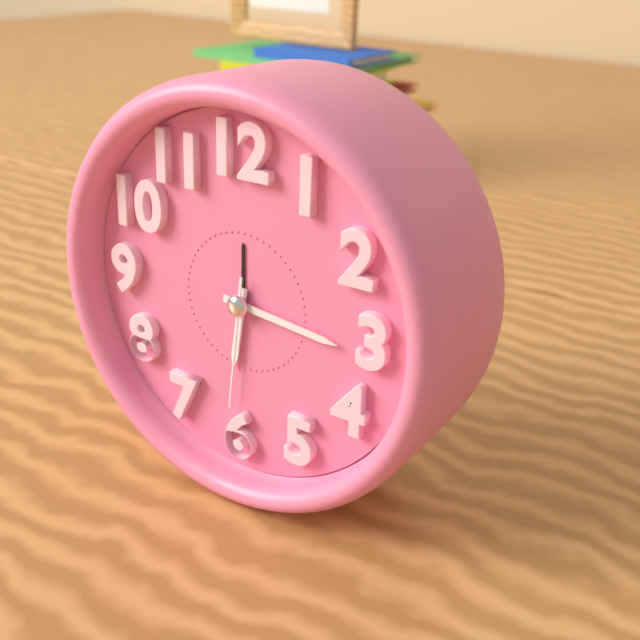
6.16.31
